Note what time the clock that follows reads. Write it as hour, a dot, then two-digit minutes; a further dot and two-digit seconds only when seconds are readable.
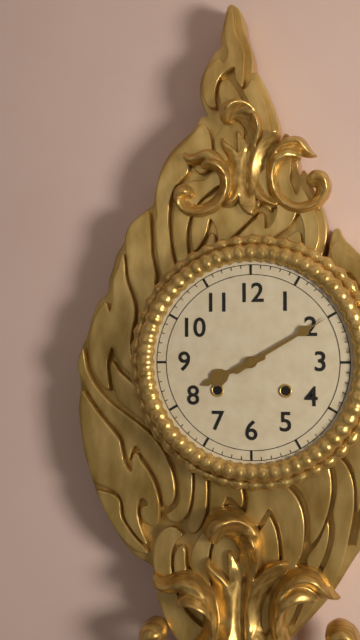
8.10
